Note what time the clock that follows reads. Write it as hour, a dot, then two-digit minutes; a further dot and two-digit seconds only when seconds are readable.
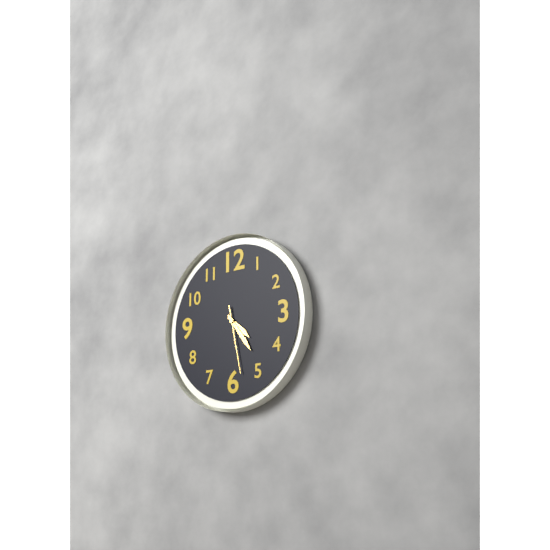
4.24.28
